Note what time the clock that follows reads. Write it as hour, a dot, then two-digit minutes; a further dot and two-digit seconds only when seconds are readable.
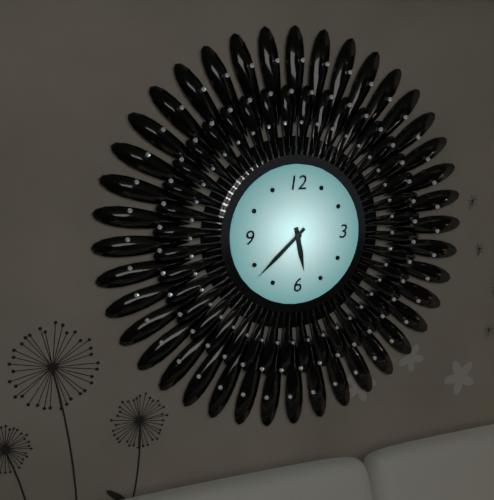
5.38
